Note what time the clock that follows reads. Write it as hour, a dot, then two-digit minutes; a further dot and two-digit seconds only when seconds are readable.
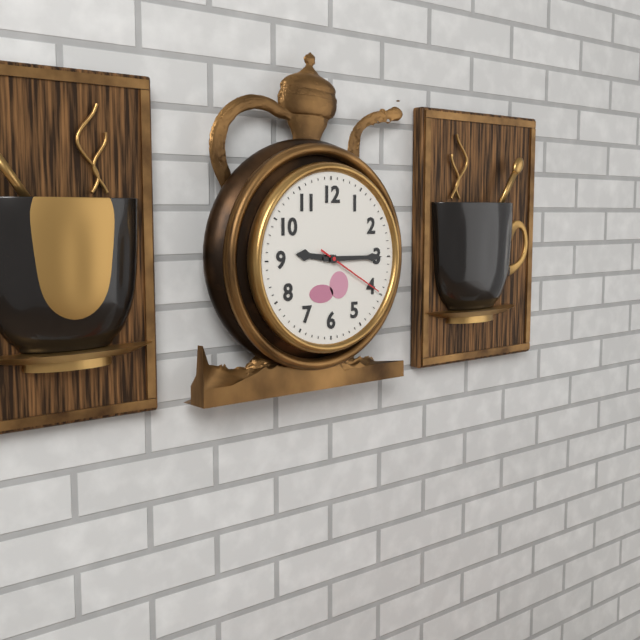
9.15.20
